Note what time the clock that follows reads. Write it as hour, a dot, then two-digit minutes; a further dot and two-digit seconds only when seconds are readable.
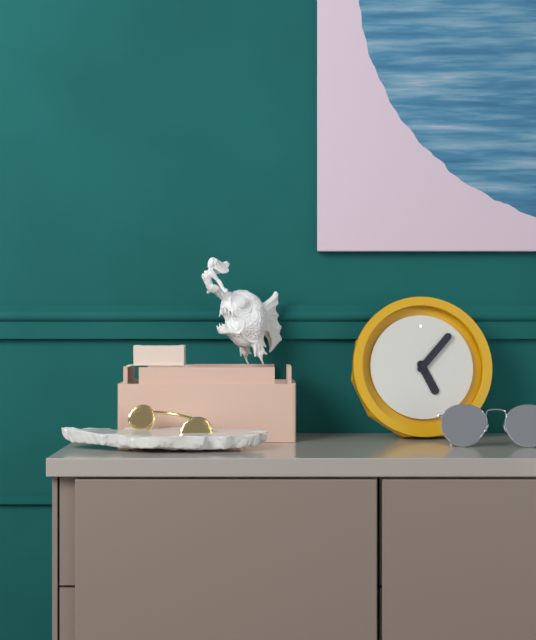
5.07
